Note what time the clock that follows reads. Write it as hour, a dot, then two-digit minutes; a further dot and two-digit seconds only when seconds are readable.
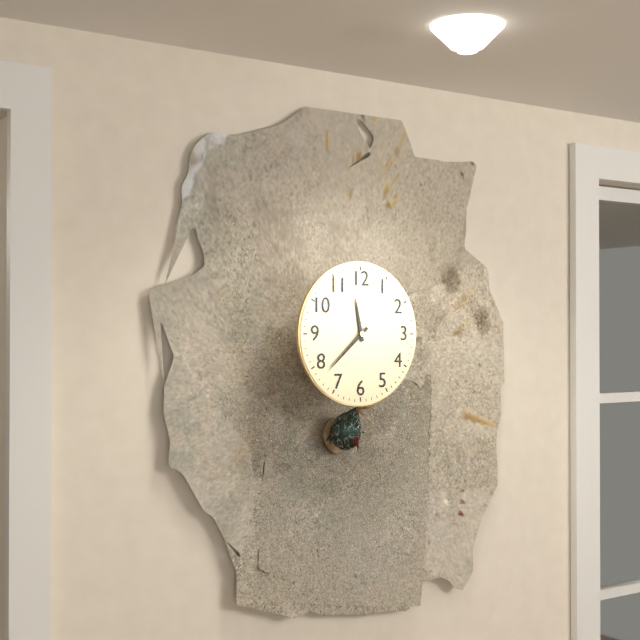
11.38
